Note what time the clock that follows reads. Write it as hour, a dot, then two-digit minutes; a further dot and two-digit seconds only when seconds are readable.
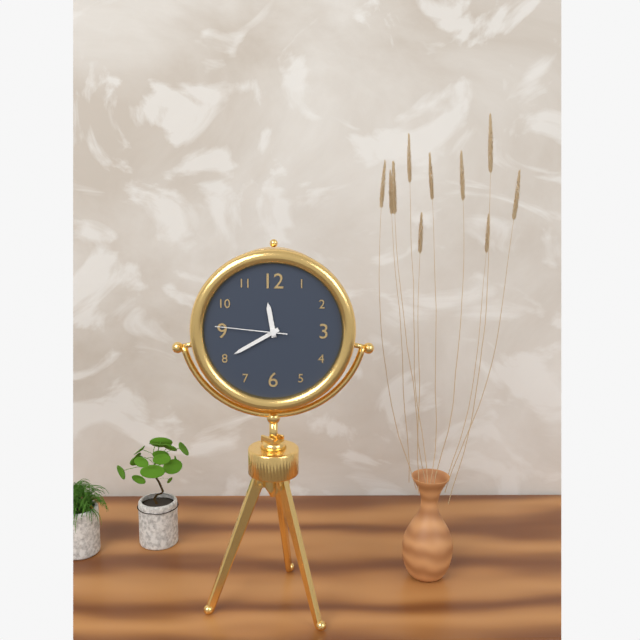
11.40.46
